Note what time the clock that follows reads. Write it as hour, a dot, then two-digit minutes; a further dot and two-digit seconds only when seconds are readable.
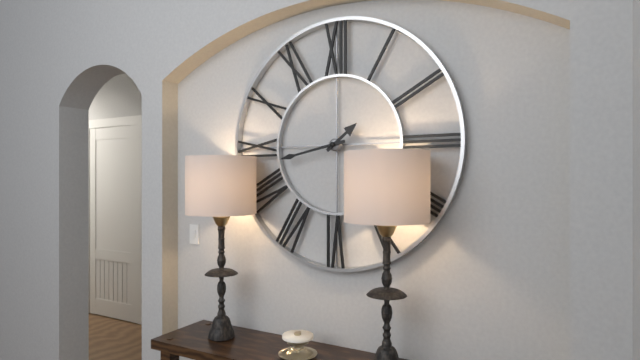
1.43
